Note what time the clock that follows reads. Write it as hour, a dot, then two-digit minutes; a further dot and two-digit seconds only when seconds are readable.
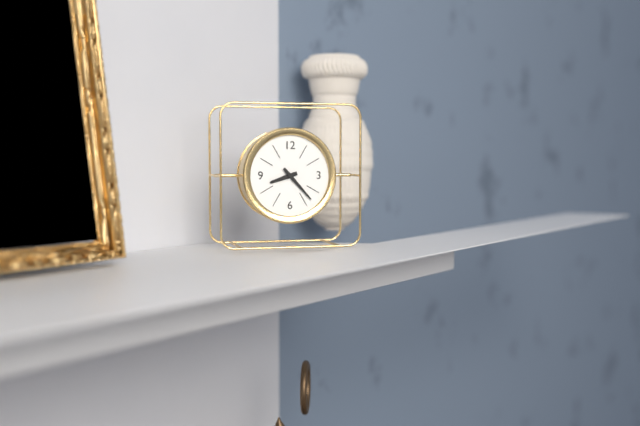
8.23
